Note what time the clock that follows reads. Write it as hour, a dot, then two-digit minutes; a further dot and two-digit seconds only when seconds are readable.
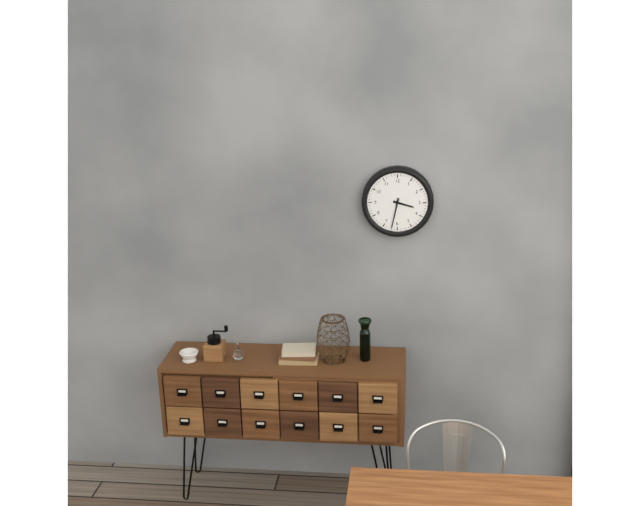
3.32
